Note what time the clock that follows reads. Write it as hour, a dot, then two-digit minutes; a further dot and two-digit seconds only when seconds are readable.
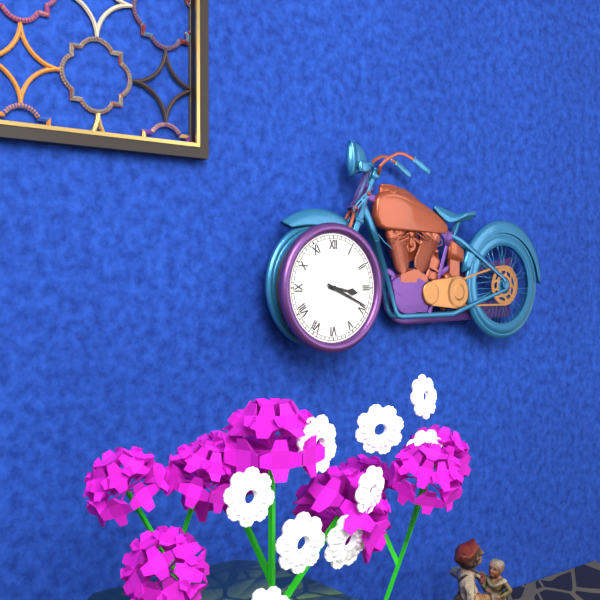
3.19
